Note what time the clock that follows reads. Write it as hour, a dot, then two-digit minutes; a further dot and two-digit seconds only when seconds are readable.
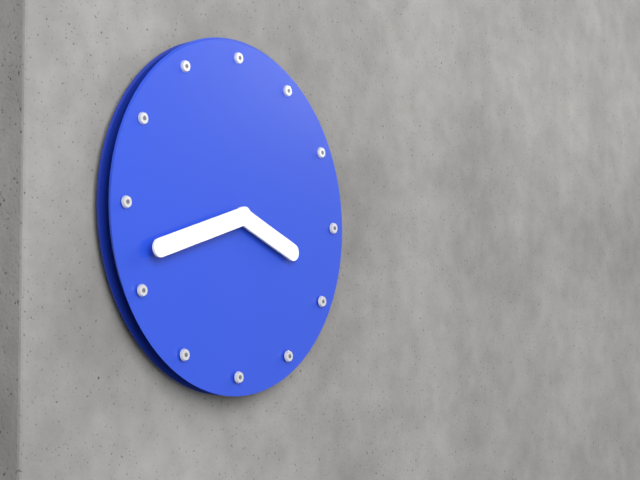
3.42
